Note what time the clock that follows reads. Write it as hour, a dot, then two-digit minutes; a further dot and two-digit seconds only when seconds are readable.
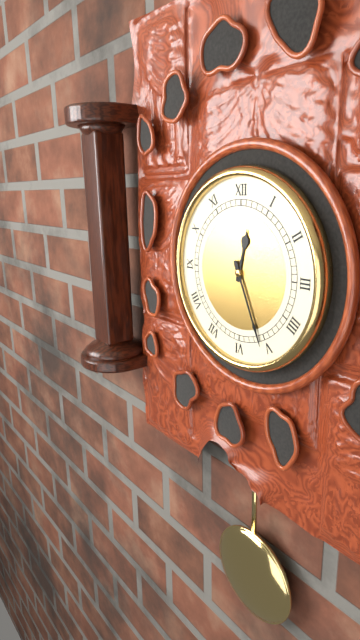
12.26
